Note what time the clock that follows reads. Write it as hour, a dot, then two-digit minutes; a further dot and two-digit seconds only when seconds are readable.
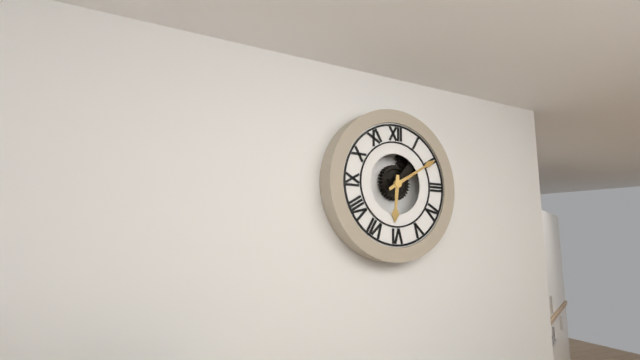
6.10
